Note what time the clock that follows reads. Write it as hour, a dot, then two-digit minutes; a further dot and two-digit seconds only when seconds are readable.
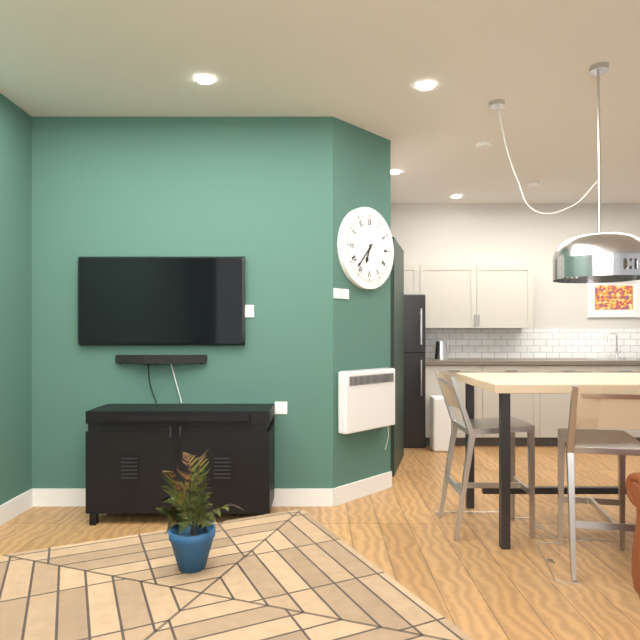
6.37
